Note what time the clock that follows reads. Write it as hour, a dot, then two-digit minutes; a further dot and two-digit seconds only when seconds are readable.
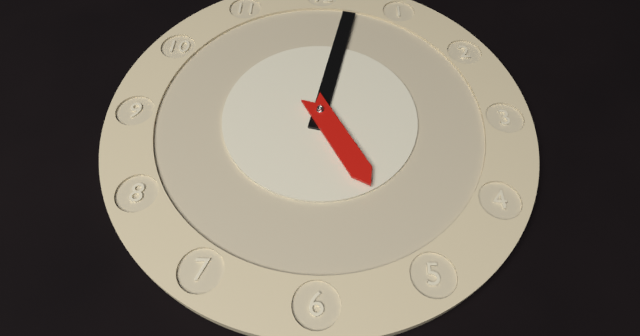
5.02
